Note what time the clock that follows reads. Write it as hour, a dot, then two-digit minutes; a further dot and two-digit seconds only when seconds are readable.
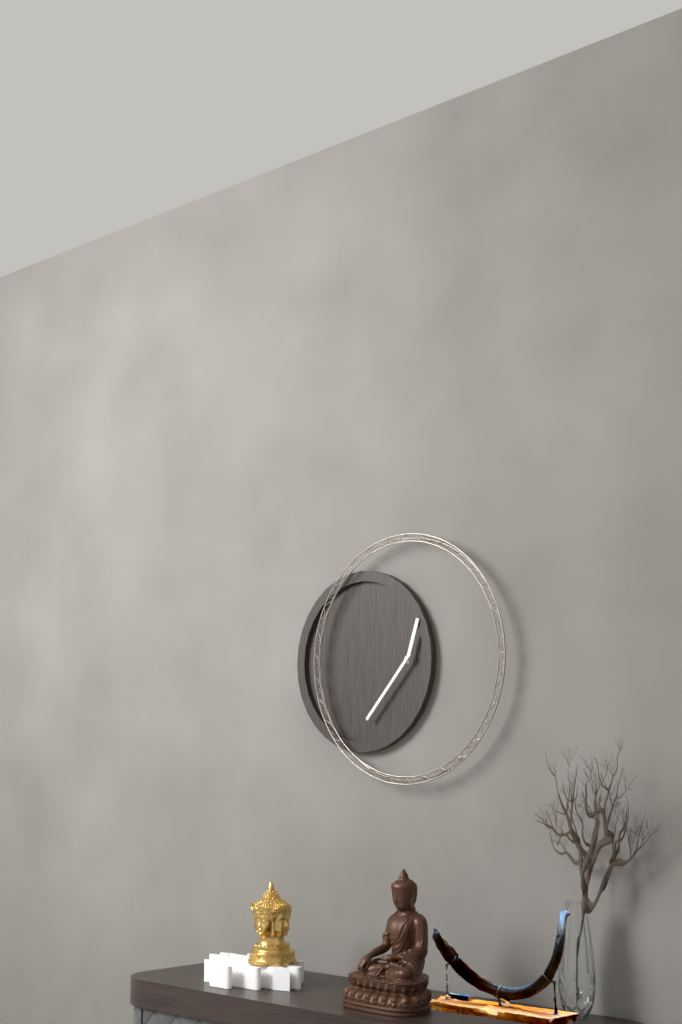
12.37
